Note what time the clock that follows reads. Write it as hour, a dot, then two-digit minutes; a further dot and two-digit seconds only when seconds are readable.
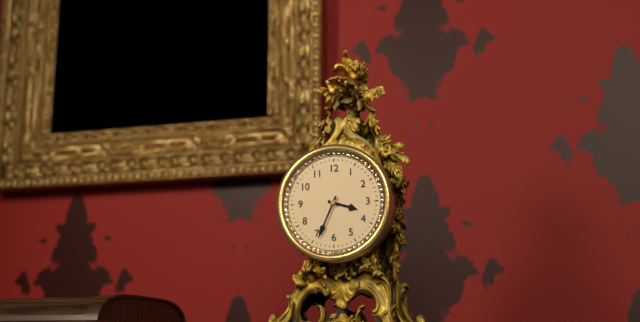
3.34
